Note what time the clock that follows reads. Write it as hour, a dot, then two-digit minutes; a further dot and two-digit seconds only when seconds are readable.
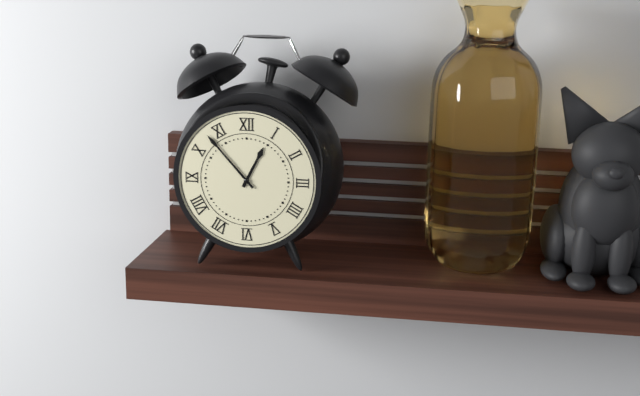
12.53
